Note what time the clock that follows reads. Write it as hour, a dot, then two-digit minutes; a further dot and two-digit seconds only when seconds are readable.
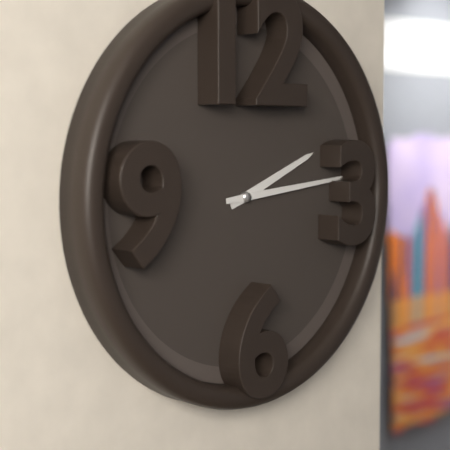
2.14
